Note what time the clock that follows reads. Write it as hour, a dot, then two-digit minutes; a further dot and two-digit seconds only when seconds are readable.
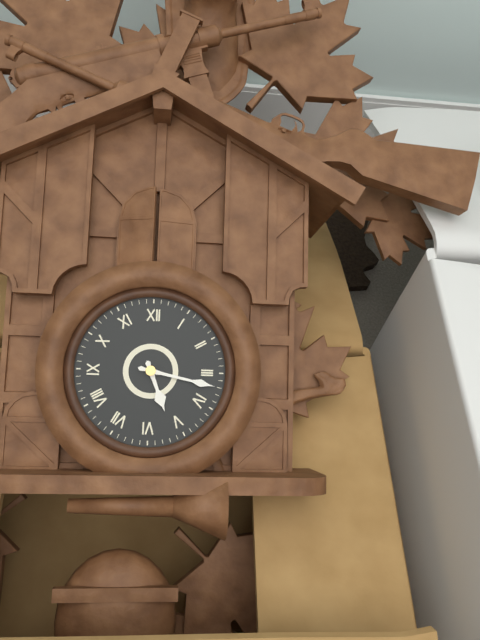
5.17
